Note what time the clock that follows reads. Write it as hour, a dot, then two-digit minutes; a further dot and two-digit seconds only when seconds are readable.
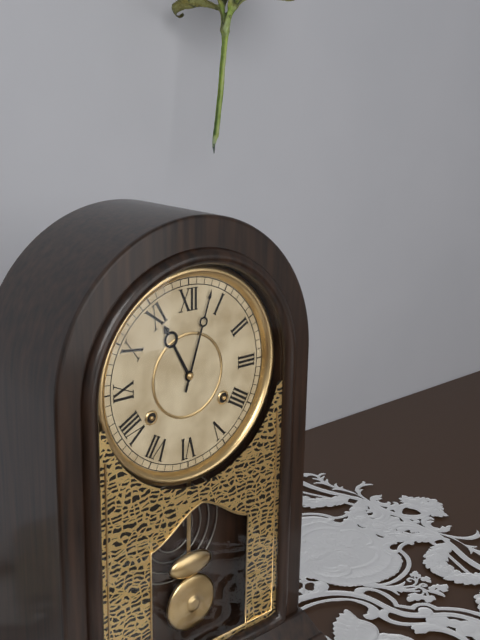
11.03
